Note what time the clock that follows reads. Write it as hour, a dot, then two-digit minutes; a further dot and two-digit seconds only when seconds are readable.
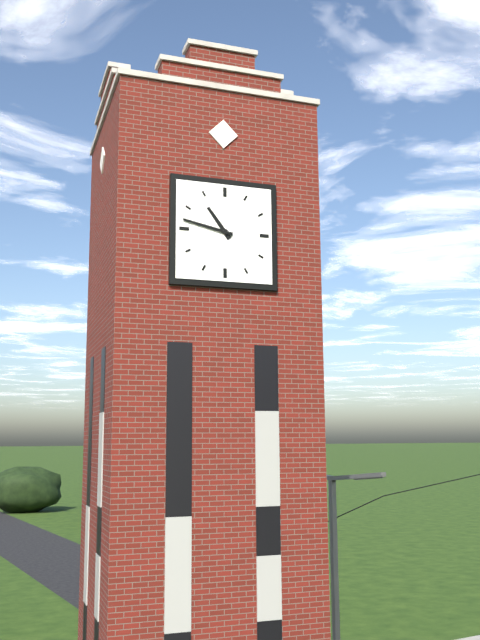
10.47
